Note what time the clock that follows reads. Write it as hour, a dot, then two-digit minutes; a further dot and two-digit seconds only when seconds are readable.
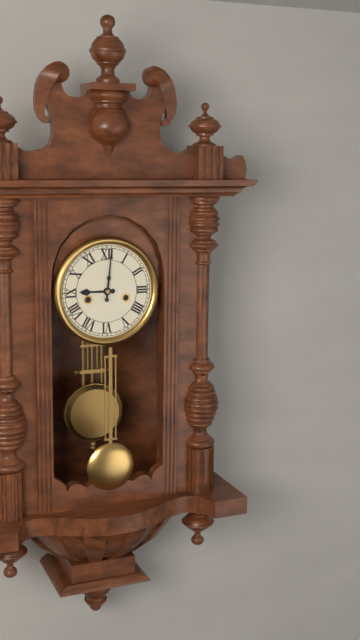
9.01
